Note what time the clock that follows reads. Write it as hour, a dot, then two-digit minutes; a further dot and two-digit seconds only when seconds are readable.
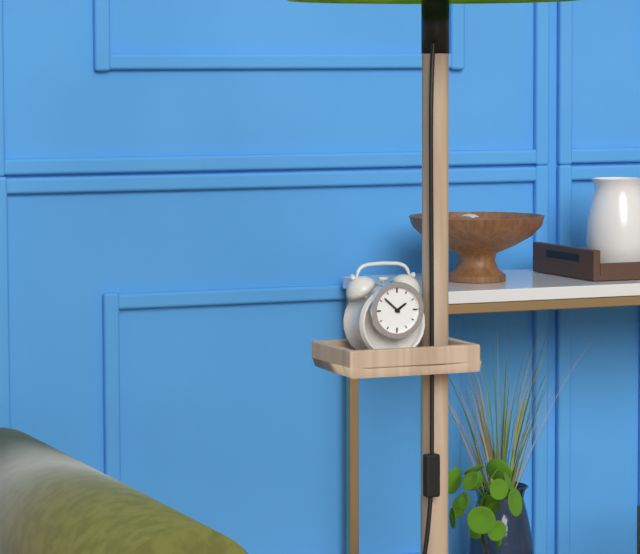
1.52
